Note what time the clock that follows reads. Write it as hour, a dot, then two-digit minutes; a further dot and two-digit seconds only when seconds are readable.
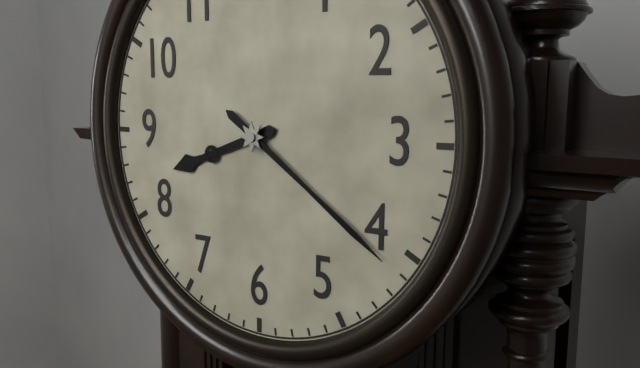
8.21
